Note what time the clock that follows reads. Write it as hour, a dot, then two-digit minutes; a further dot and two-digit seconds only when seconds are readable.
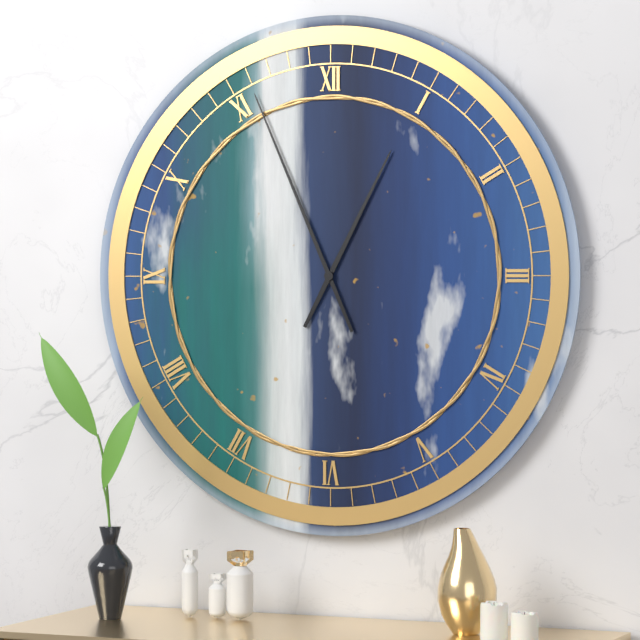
12.56
